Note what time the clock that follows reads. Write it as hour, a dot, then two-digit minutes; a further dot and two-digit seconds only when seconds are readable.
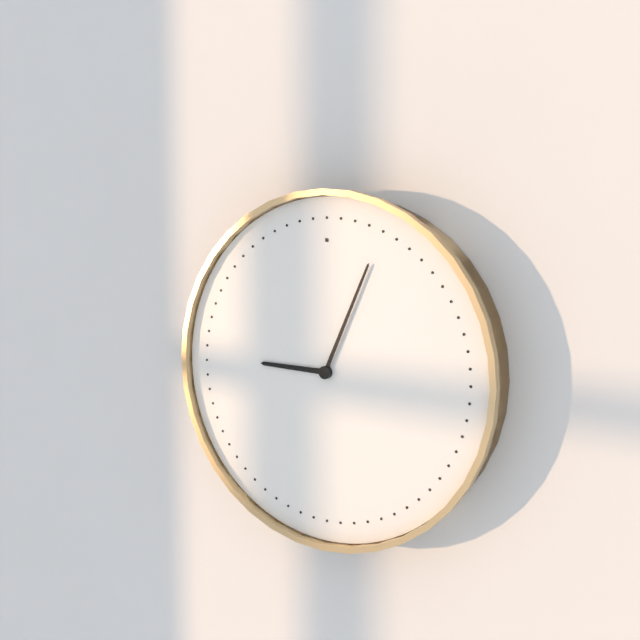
9.04
